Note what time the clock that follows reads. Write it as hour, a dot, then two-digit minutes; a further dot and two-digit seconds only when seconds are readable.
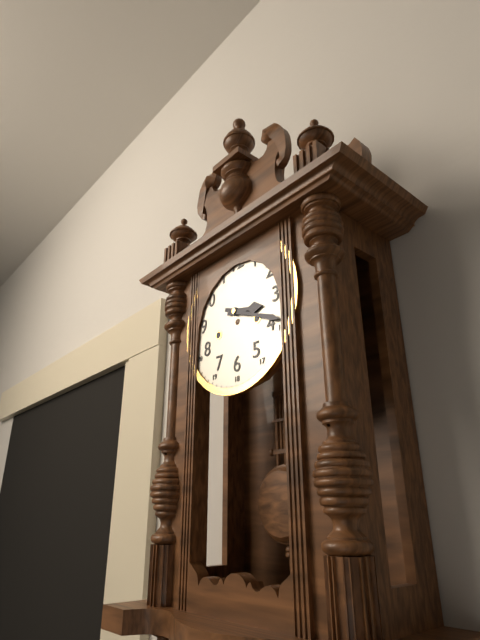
3.19
